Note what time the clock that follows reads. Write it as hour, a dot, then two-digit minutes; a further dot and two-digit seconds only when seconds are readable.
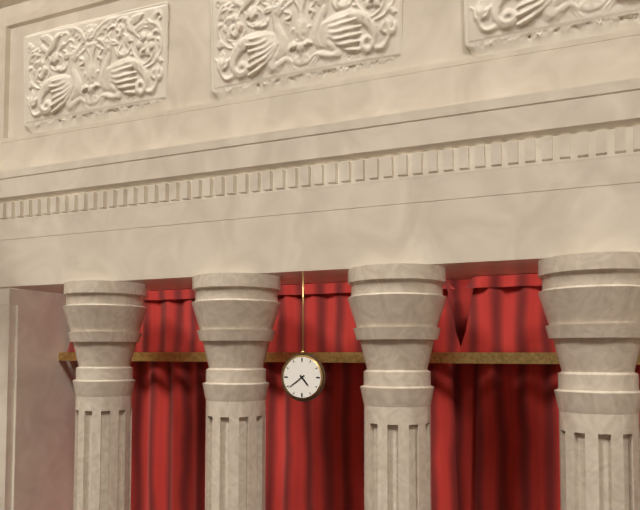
4.39
